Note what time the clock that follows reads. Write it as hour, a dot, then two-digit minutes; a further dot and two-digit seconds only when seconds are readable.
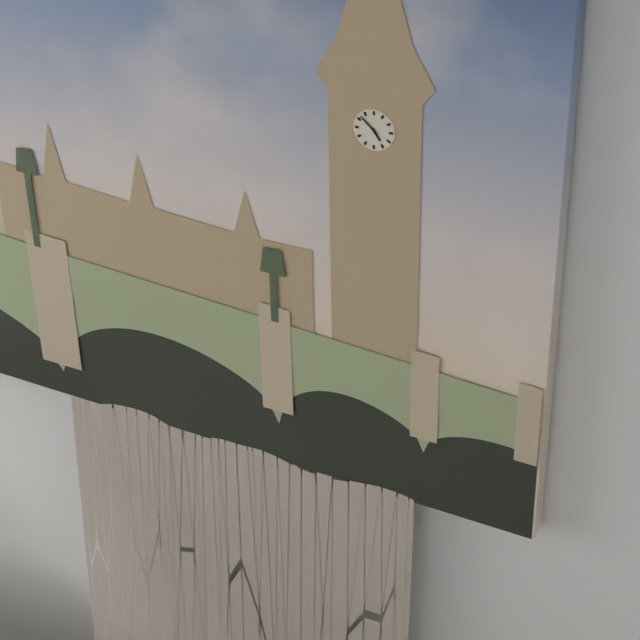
4.52
